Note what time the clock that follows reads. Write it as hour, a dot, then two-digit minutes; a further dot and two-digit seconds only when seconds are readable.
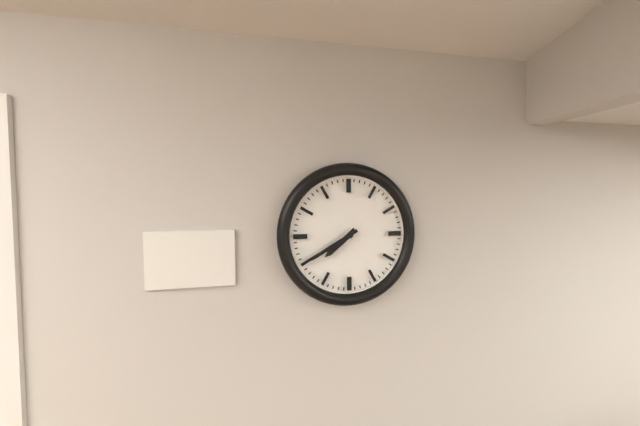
7.40
